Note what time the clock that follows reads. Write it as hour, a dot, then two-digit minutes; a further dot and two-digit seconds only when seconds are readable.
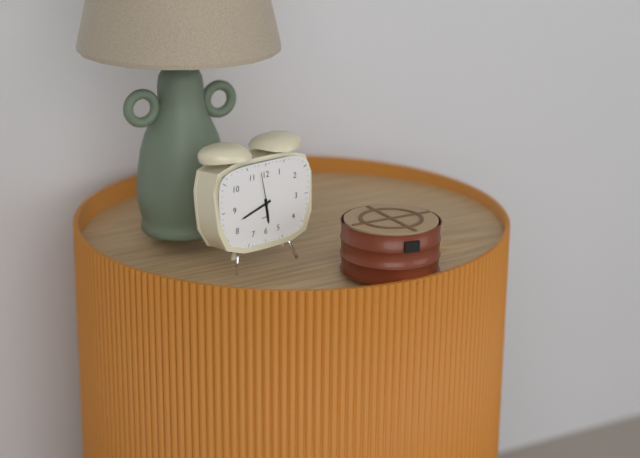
5.42
